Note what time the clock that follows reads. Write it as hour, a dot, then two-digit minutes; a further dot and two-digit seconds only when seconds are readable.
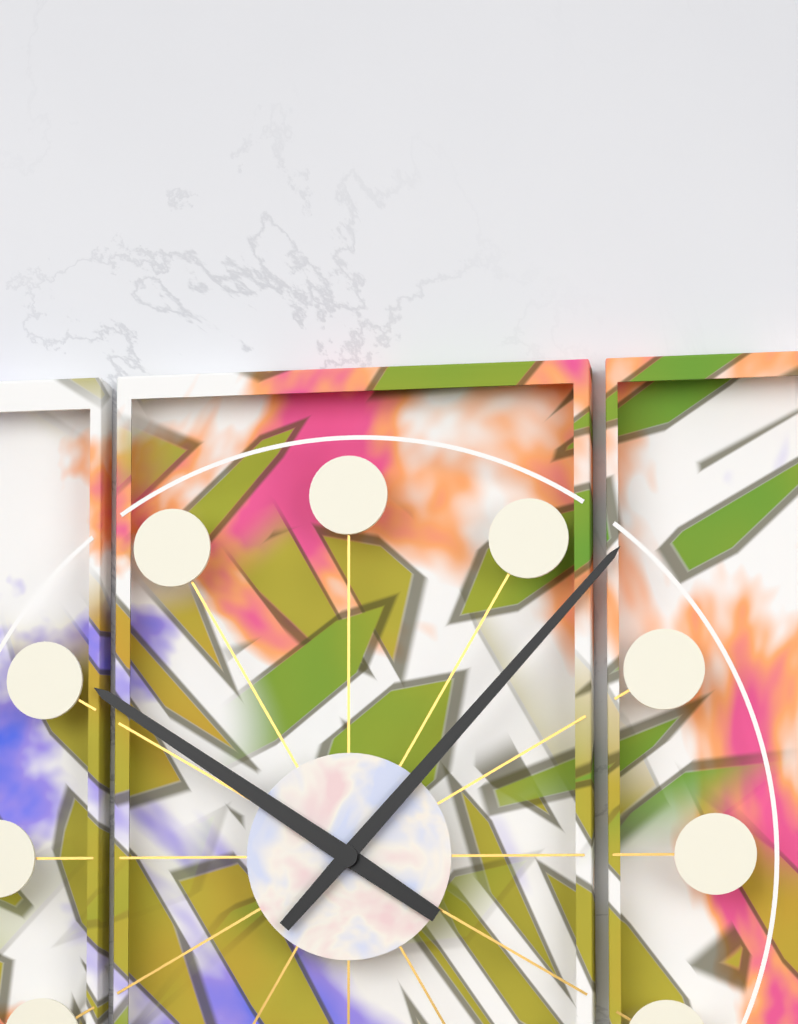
10.07
